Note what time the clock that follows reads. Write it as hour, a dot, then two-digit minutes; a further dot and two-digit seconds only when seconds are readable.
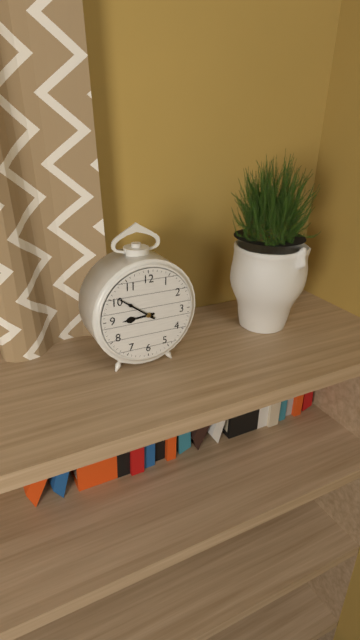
8.51
